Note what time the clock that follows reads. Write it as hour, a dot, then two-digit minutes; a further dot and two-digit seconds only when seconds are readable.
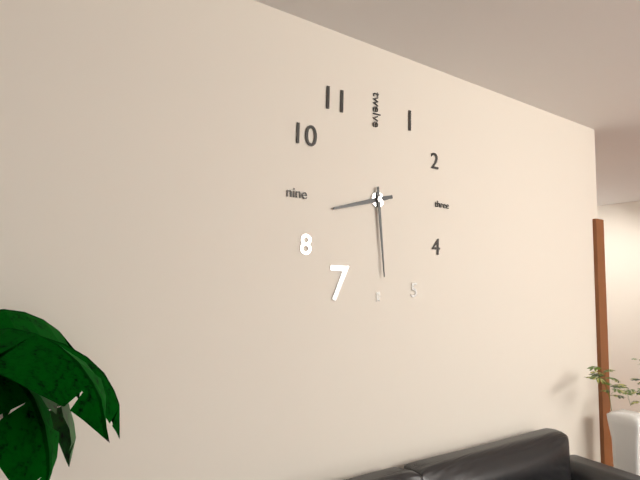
8.29
